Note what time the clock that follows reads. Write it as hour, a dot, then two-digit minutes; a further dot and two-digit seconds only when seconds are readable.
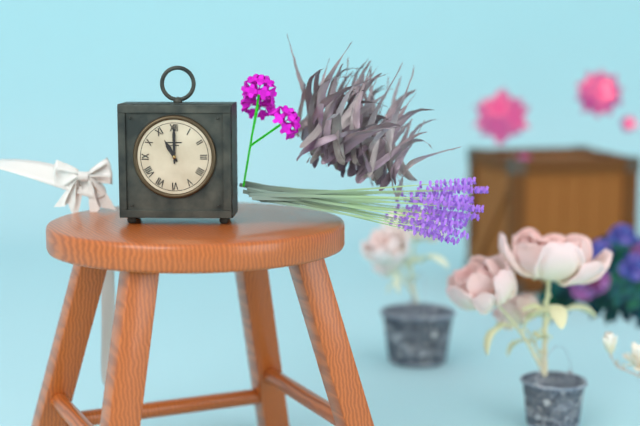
11.00
